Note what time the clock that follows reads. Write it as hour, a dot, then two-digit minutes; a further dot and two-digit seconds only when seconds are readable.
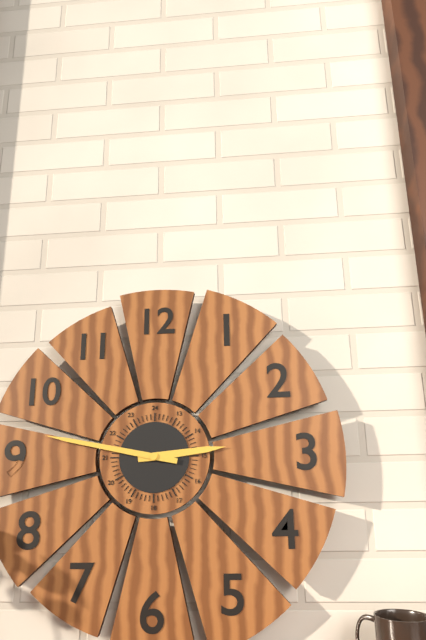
2.47
